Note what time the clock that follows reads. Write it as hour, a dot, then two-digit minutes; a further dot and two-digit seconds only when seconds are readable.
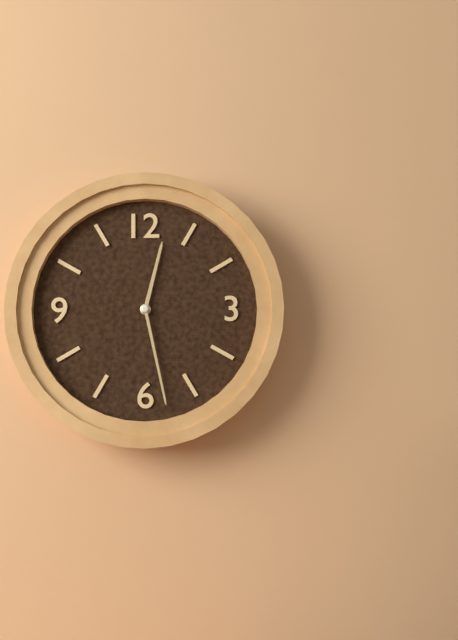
12.28
